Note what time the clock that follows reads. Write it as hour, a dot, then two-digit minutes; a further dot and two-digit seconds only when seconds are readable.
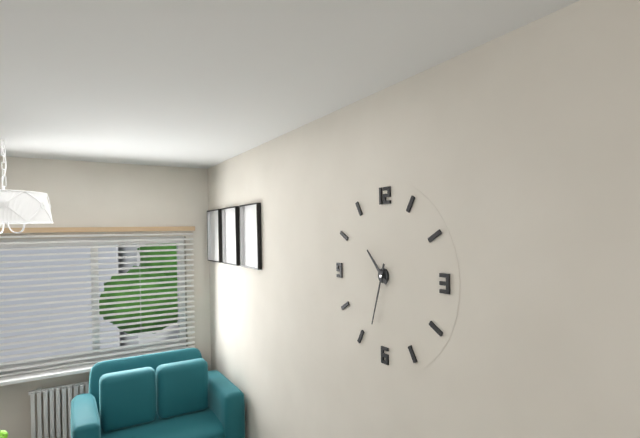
10.33
